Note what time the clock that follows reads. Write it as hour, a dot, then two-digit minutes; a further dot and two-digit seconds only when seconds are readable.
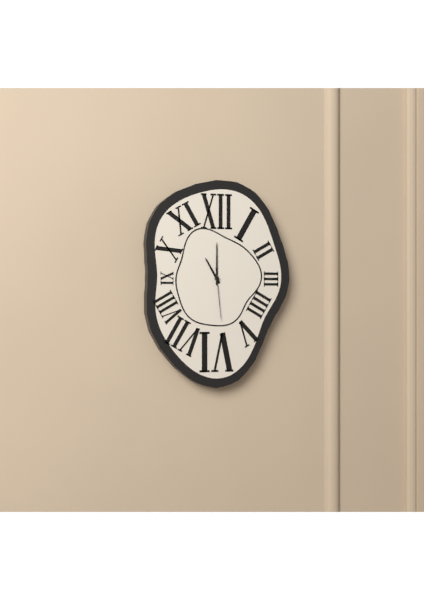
11.00.29
